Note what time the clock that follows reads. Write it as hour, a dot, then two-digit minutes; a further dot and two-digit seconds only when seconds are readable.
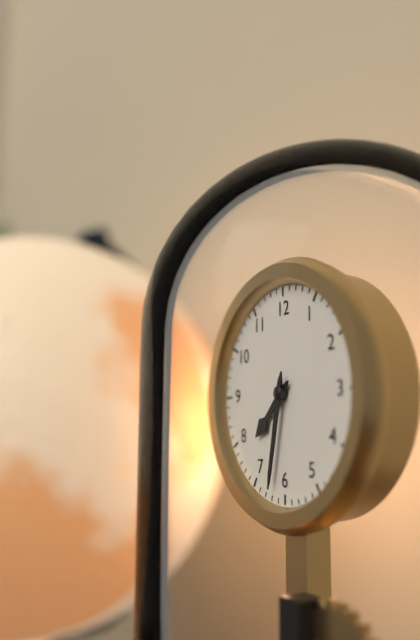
7.32
